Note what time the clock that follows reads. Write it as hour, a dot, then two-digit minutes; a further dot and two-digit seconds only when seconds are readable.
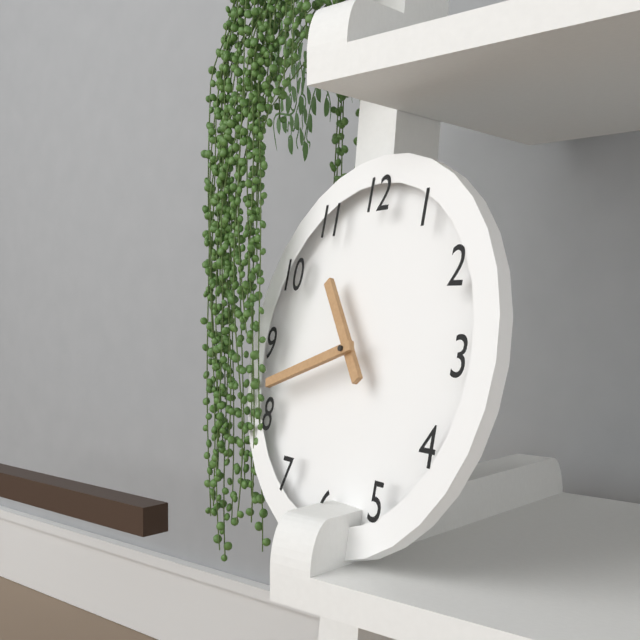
10.42
